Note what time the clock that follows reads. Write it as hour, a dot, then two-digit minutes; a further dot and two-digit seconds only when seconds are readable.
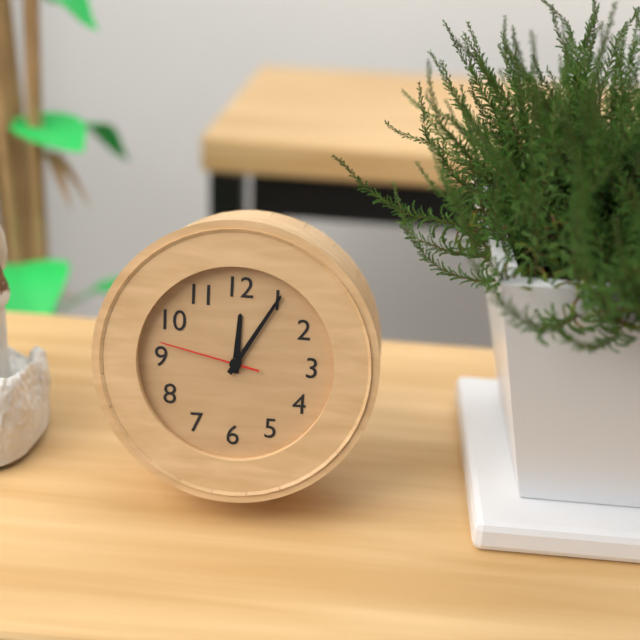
12.05.47
